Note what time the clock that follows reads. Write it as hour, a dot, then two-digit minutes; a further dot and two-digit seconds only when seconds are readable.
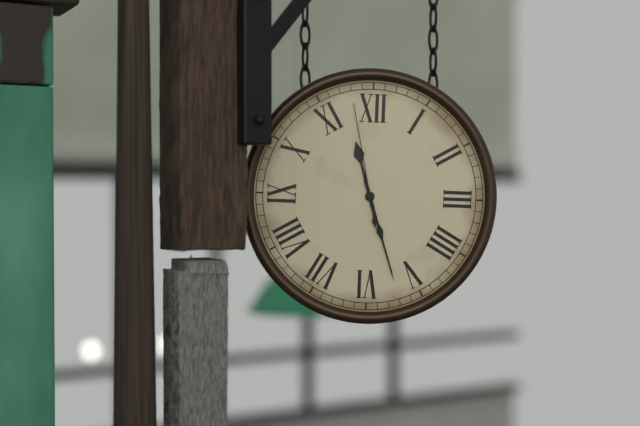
11.27.58
